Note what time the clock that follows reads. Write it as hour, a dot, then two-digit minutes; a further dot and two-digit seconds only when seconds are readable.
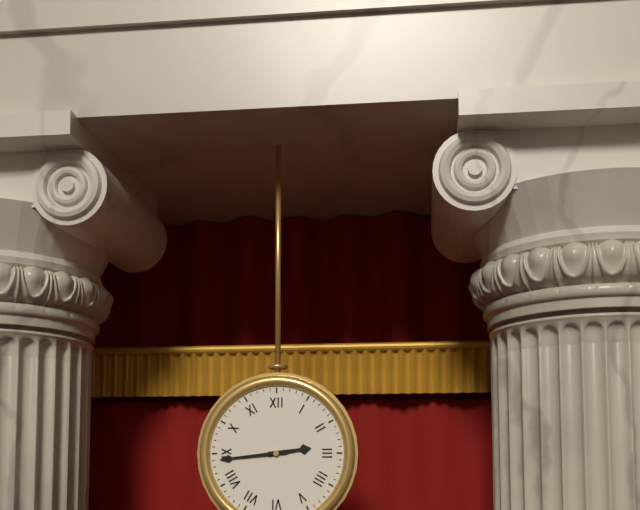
2.44
